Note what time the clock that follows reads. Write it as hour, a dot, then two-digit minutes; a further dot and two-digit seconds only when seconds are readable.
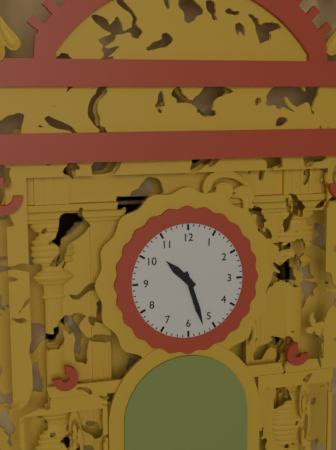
10.27
